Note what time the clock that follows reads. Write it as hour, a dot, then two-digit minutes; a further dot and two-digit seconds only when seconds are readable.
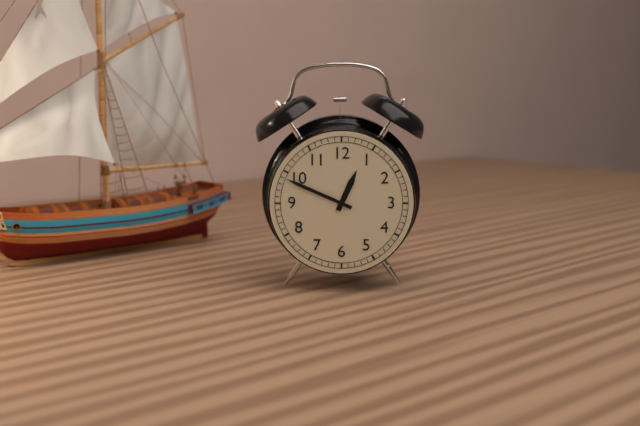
12.49
